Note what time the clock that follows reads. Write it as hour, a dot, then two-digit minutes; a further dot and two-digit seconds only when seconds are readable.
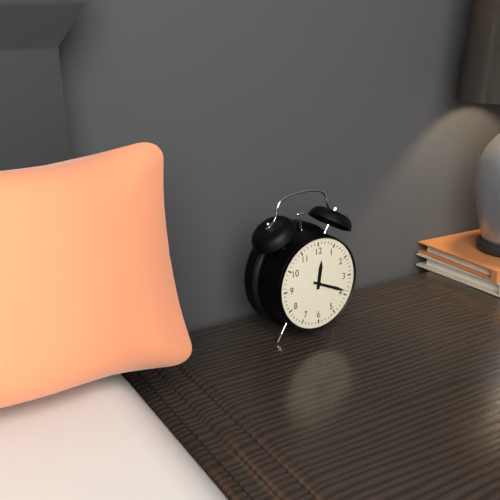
12.19
